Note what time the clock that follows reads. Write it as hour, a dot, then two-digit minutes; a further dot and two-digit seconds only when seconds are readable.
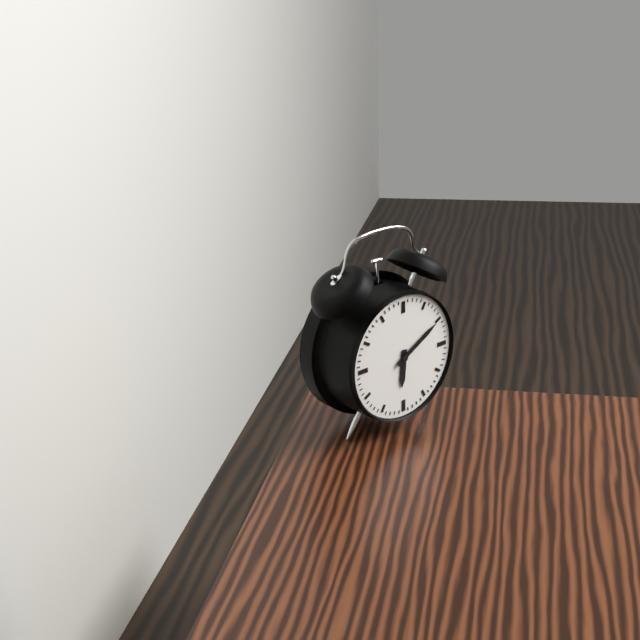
6.10
